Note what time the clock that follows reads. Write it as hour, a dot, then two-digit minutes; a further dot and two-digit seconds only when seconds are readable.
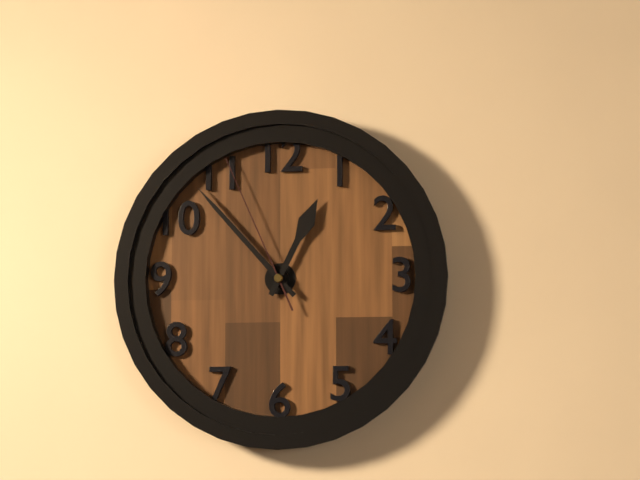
12.53.56
